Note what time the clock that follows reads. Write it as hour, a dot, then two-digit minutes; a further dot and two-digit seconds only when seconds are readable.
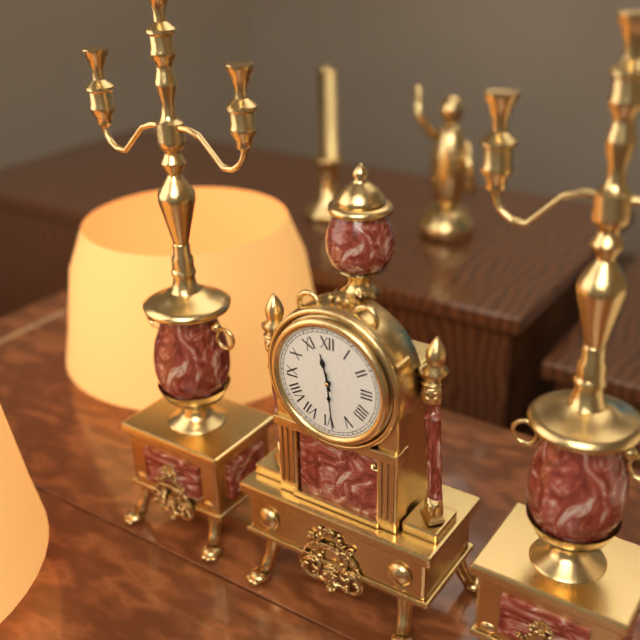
11.29
